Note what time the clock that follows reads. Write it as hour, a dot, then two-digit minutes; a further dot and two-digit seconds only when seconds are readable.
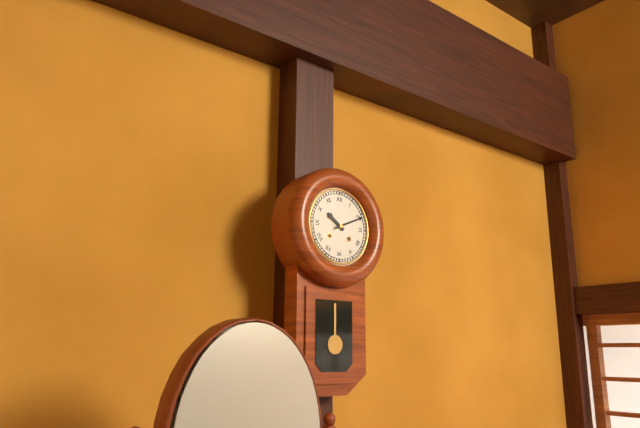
10.11
